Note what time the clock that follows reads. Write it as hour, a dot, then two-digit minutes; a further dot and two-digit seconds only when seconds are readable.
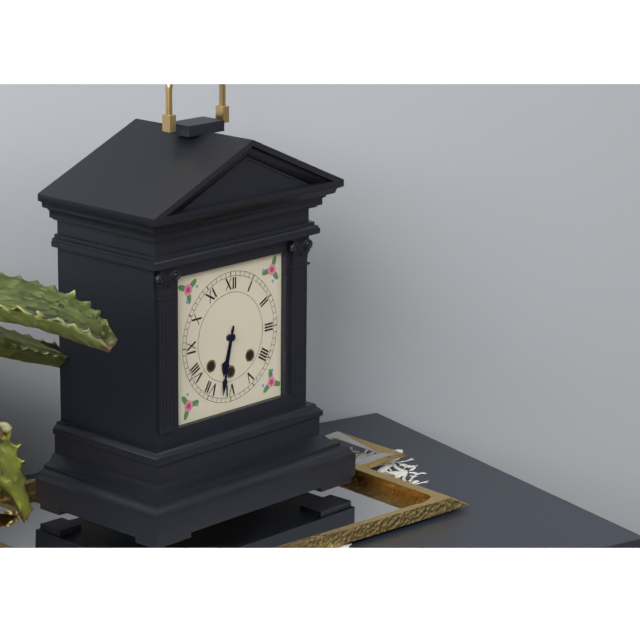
6.32
